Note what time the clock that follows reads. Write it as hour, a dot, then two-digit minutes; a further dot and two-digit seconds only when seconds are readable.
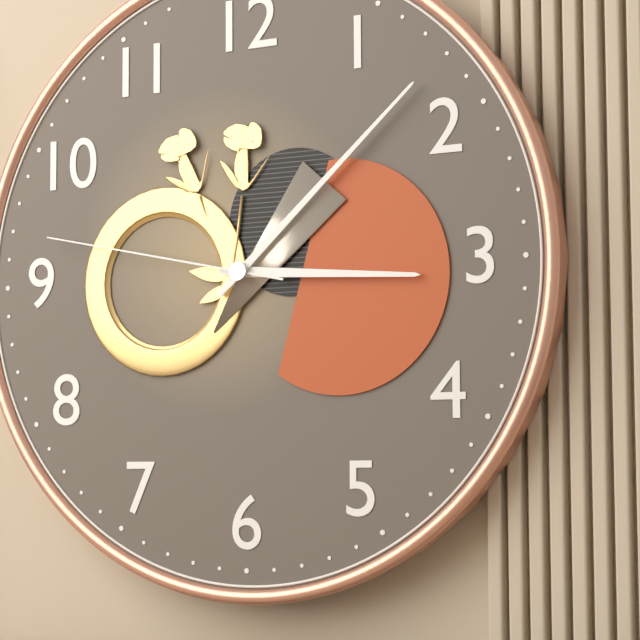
3.08.47
